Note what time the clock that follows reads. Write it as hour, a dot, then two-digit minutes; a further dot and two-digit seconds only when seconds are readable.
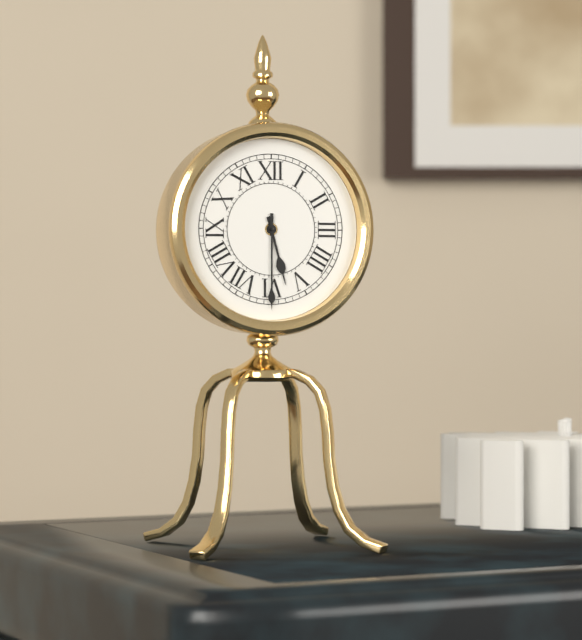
5.30
